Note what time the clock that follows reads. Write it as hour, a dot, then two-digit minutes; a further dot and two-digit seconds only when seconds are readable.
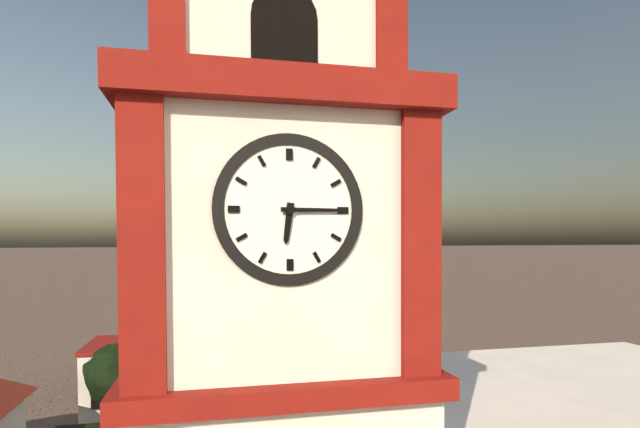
6.15
